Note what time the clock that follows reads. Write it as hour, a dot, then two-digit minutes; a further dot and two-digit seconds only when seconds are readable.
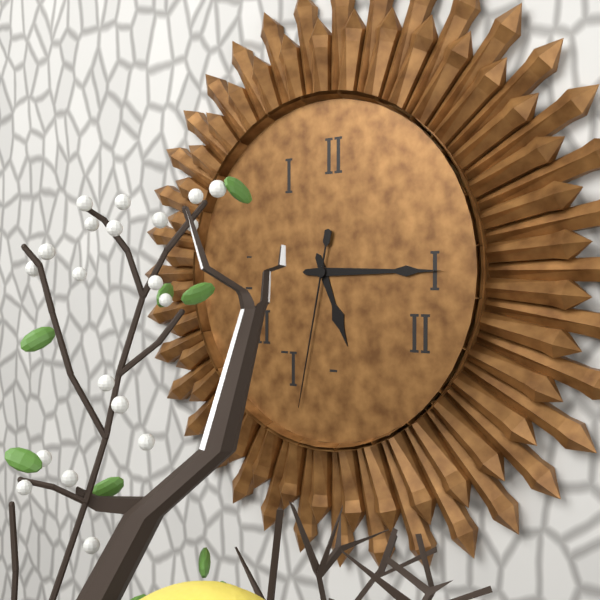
5.15.32
